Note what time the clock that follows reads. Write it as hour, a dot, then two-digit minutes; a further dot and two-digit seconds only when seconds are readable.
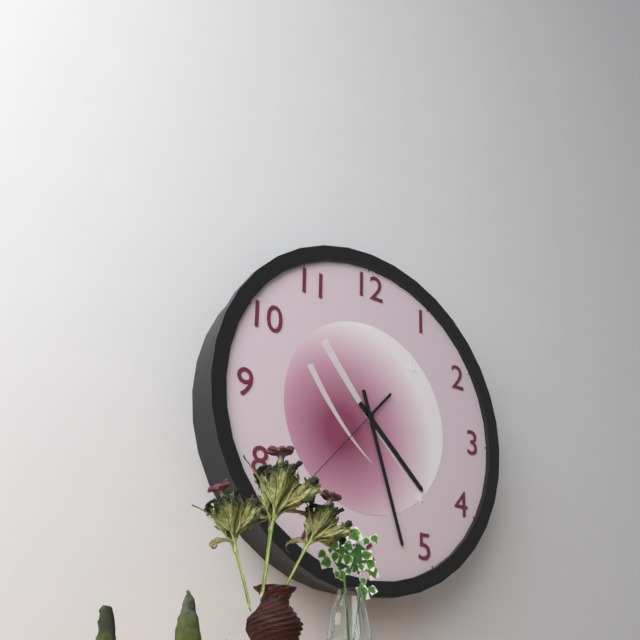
4.27.37
